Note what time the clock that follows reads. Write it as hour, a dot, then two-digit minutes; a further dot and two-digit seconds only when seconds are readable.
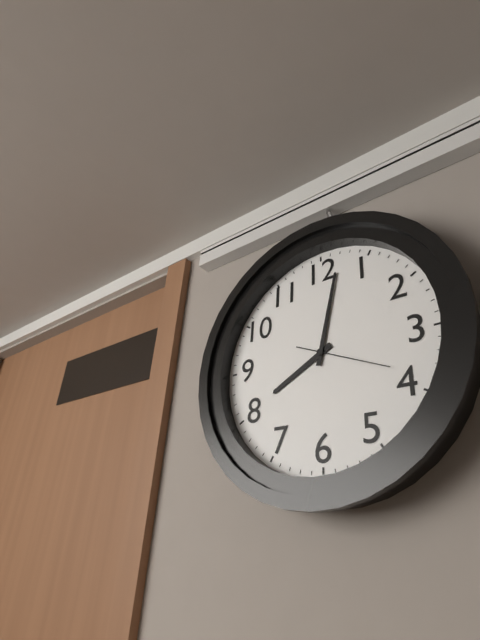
8.02.19
